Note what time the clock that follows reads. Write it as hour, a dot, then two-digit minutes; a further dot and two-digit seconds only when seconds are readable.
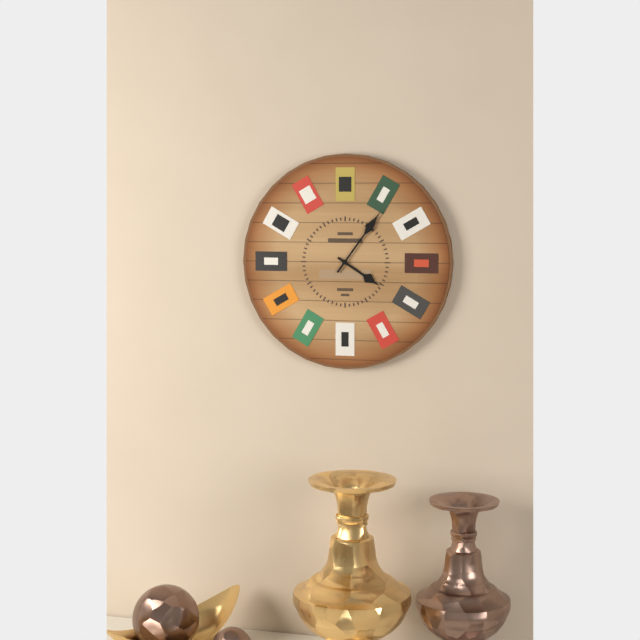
4.06
